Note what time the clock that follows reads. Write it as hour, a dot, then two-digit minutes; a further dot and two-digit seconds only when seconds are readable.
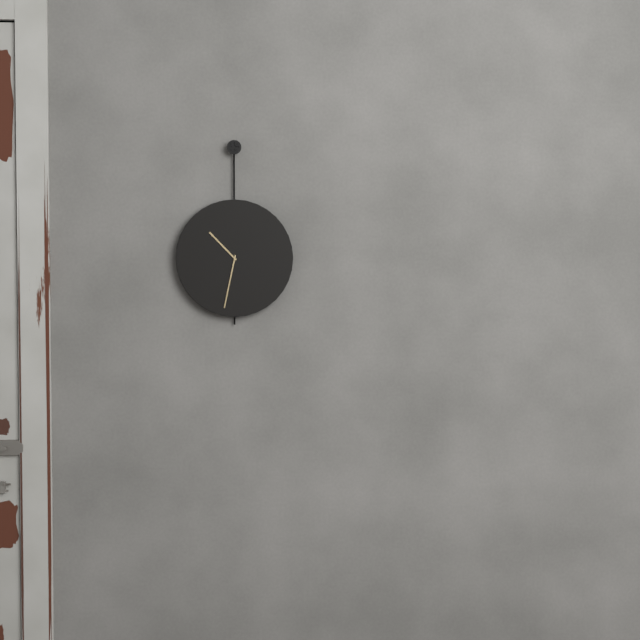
10.32
